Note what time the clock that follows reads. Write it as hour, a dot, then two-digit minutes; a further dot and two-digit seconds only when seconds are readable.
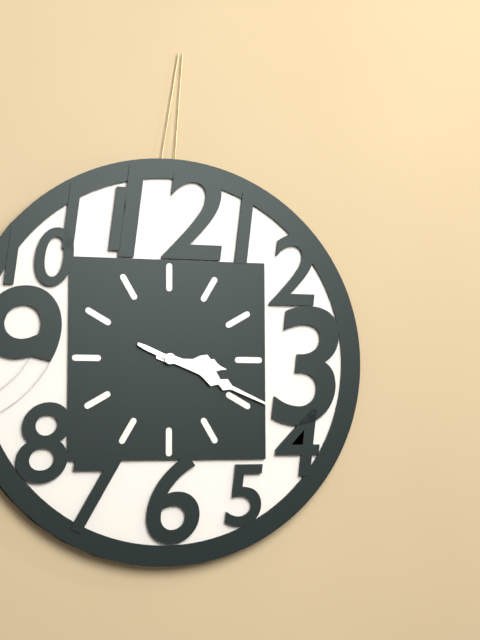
3.19
